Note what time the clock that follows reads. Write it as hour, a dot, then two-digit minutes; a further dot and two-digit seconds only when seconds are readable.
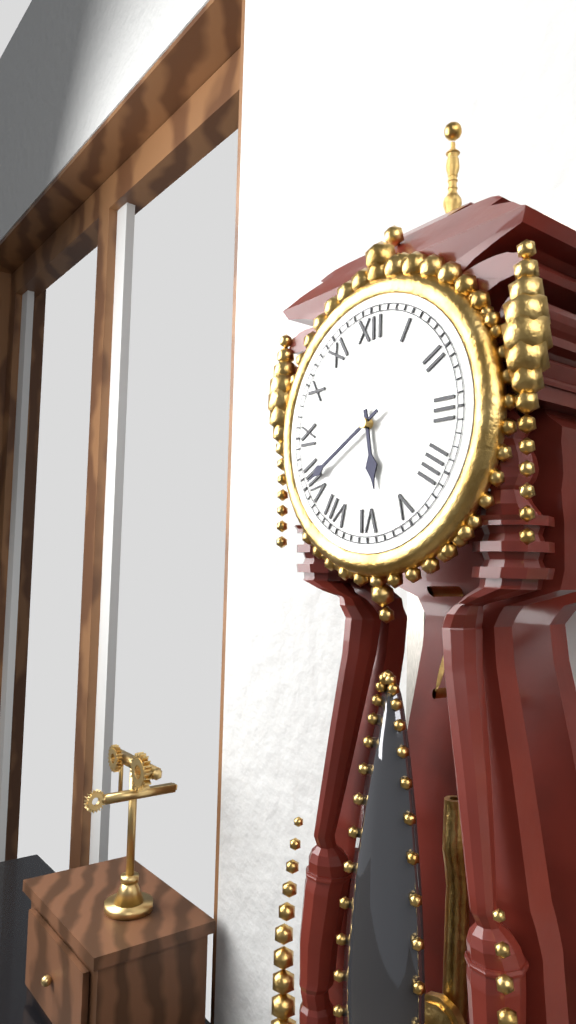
5.40
